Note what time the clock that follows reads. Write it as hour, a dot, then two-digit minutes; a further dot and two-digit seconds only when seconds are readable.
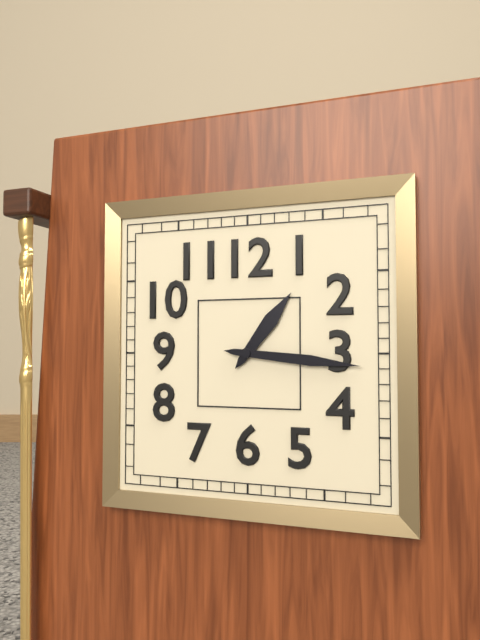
1.16
